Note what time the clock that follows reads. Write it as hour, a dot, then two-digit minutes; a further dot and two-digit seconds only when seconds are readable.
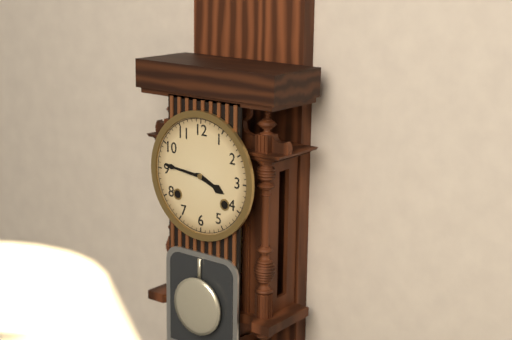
3.46
